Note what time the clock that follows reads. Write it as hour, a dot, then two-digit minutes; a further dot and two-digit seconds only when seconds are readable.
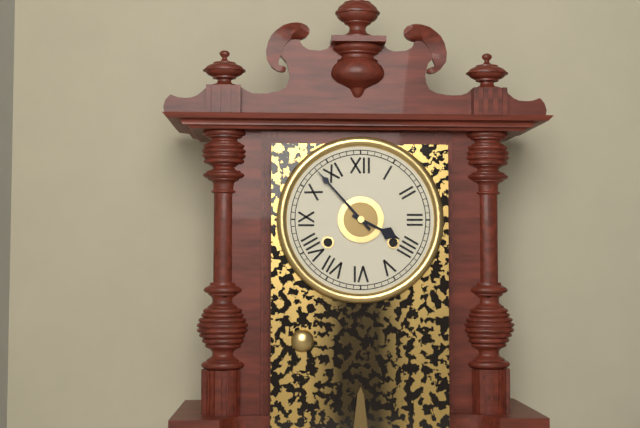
3.53
